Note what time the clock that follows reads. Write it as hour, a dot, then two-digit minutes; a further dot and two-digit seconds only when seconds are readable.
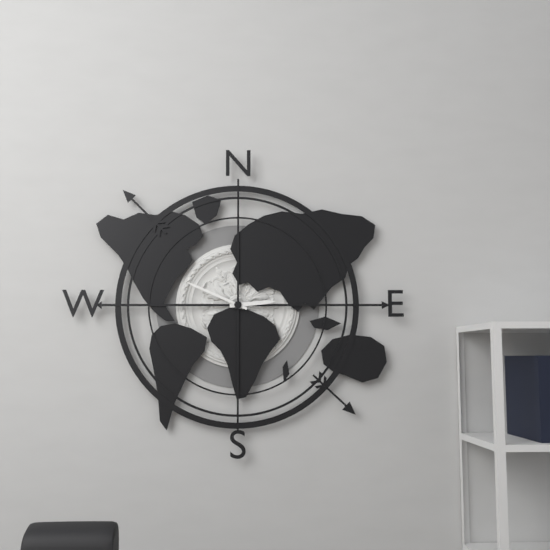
2.49
